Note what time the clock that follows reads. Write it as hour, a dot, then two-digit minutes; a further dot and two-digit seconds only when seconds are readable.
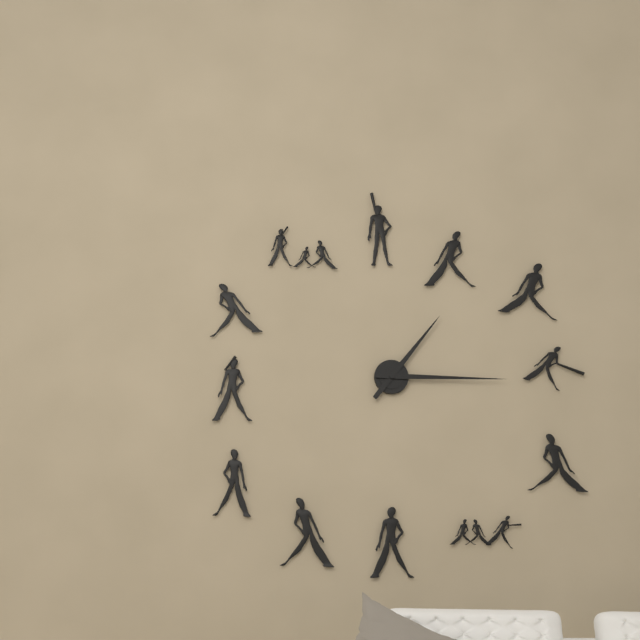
1.15
